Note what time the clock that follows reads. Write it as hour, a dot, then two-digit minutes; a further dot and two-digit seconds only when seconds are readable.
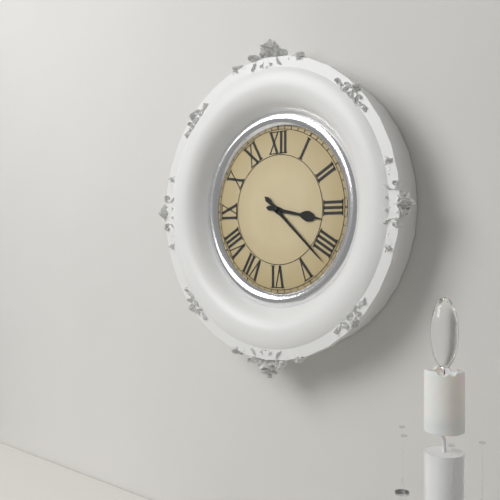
3.22
